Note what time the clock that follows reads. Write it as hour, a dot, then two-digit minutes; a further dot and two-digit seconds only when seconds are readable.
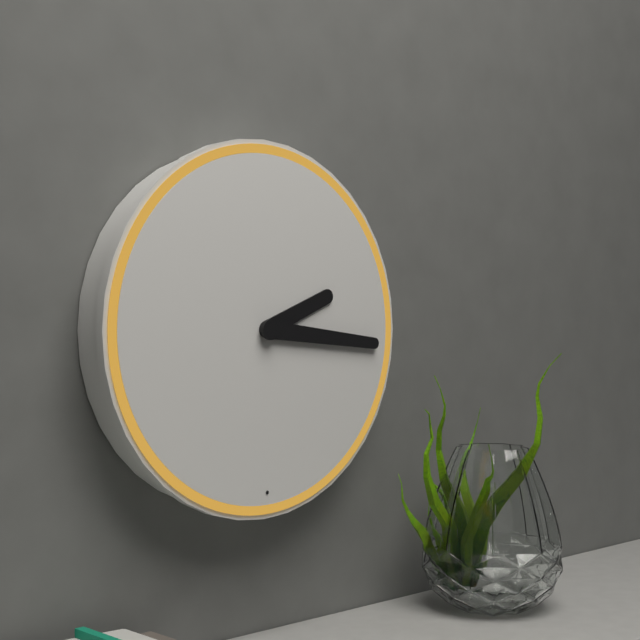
2.16
